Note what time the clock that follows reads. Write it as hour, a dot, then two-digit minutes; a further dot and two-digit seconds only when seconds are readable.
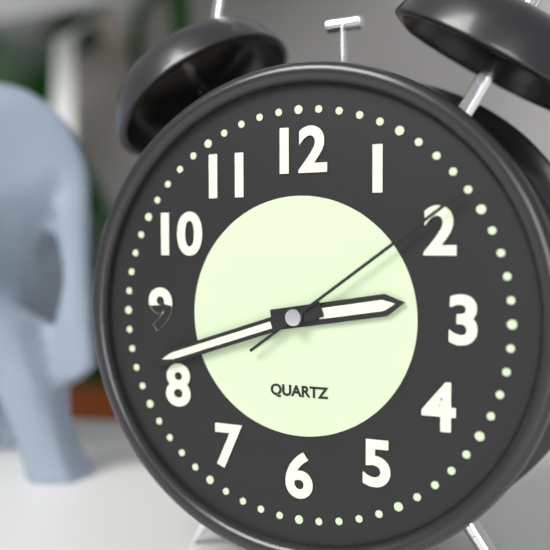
2.42.09
